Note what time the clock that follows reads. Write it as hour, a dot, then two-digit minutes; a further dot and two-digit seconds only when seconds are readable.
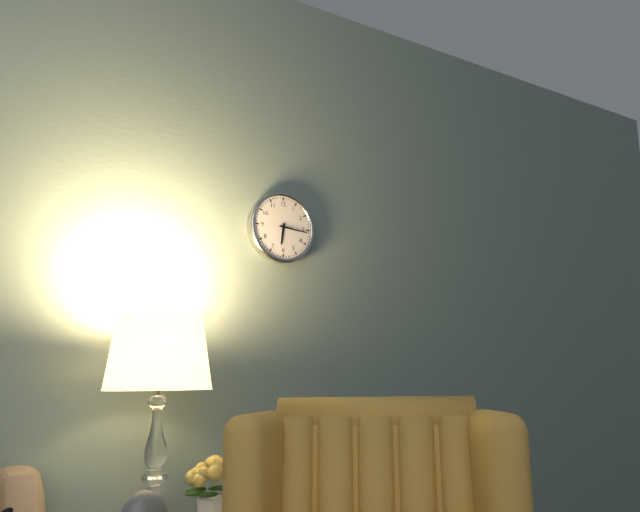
6.16
